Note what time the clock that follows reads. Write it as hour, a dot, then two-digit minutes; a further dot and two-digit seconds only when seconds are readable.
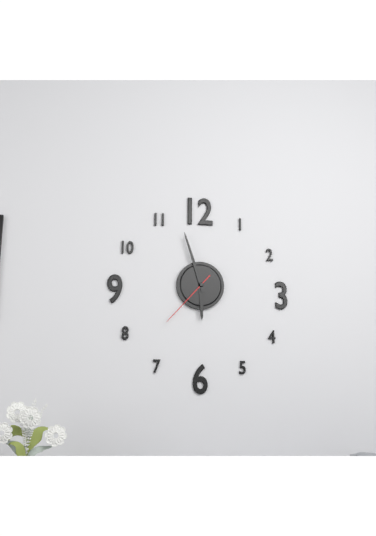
5.57.37
